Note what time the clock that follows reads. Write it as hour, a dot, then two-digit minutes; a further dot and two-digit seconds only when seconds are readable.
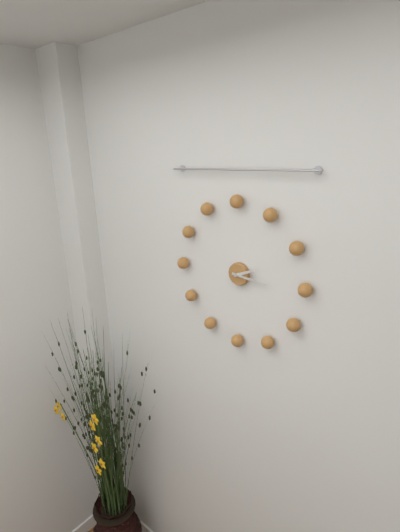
2.16
